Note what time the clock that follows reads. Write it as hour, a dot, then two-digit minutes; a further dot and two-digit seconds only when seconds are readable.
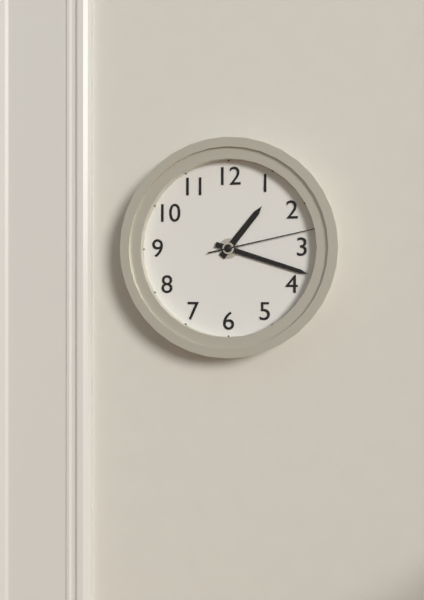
1.18.13
